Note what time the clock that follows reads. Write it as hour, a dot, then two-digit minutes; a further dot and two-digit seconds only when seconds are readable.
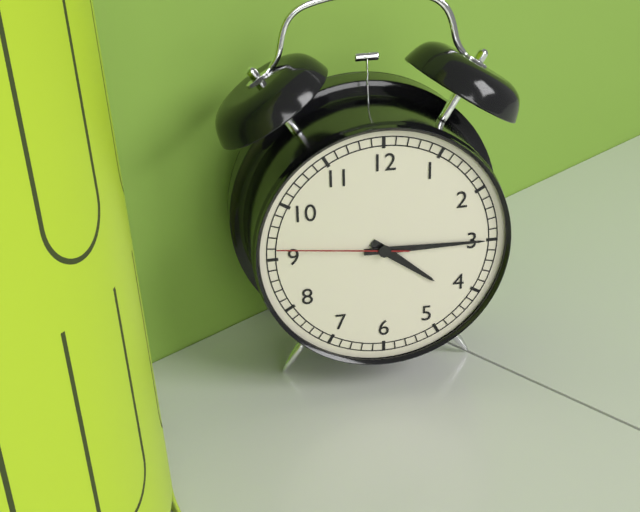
4.15.46
